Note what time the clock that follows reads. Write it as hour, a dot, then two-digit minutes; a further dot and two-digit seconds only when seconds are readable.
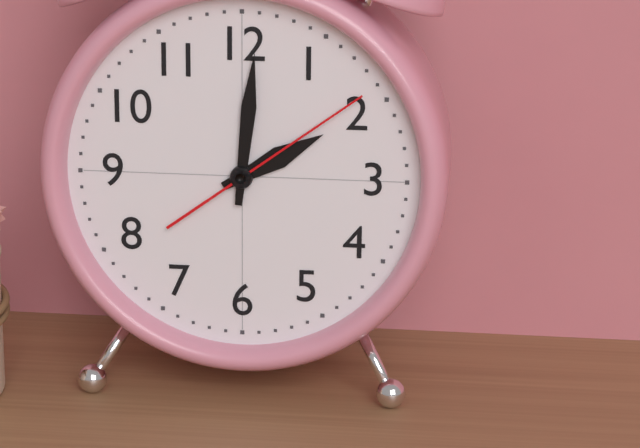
2.01.09
